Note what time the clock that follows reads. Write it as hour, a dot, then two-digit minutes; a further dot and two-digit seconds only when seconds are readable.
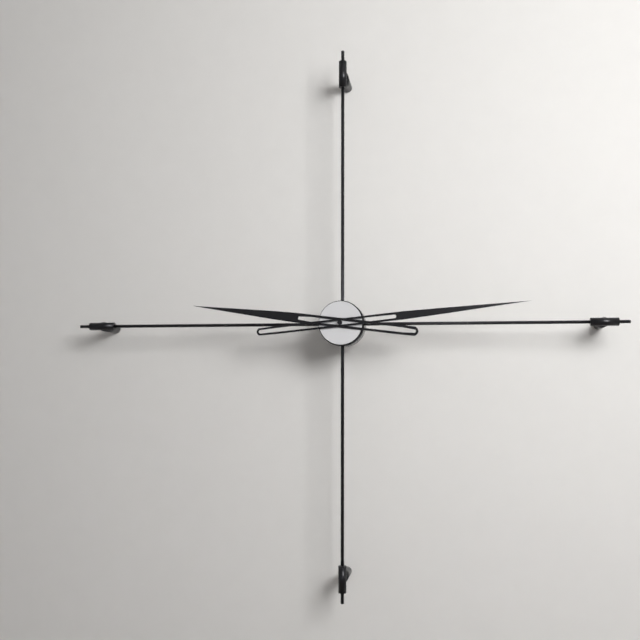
9.14
